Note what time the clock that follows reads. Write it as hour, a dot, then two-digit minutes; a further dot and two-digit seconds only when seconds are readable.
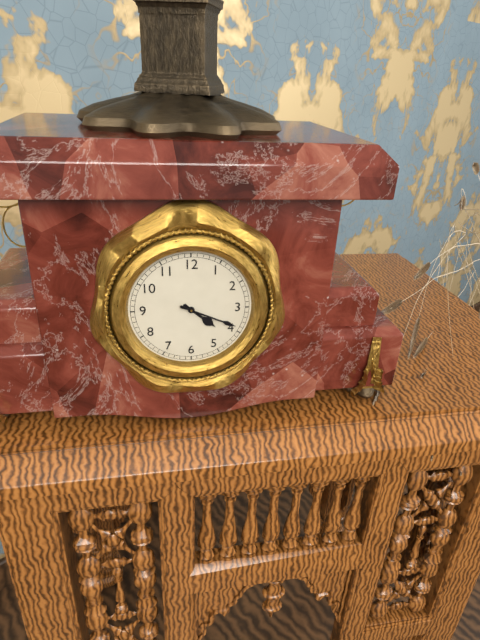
4.19
